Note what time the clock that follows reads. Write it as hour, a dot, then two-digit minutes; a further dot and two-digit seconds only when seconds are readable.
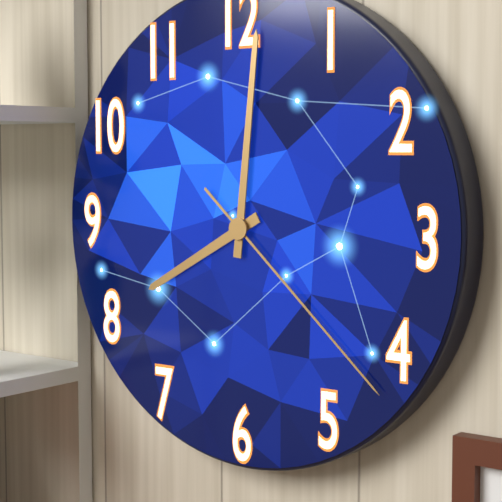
8.01.22
